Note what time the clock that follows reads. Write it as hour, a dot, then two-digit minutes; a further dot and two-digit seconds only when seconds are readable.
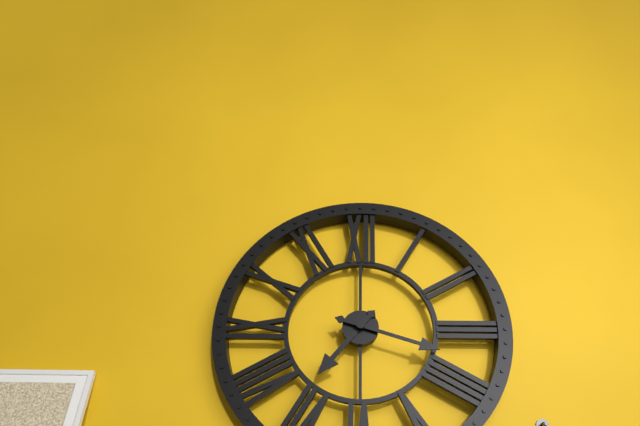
7.18
